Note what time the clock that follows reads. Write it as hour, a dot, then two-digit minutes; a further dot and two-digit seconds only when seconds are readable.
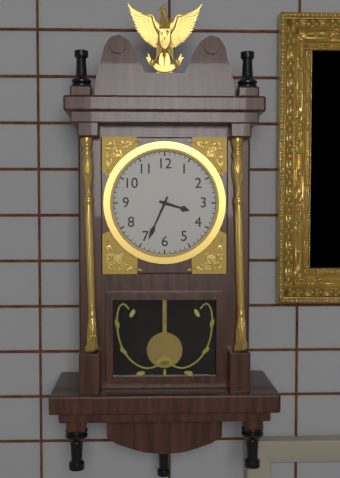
3.34
